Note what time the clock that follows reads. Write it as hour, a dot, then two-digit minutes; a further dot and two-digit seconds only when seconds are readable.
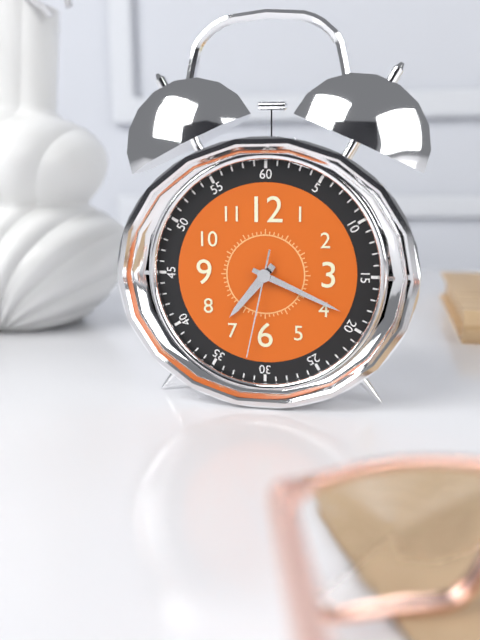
7.19.32
